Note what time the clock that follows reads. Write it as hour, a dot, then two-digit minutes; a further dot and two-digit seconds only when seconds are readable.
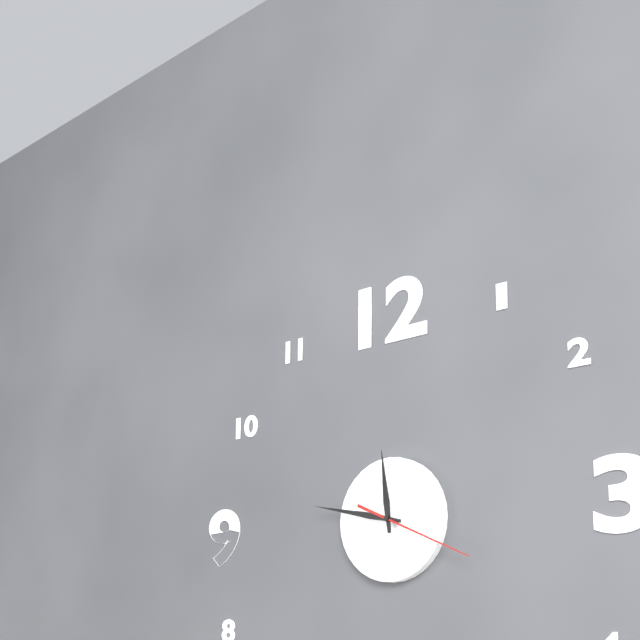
11.47.19
